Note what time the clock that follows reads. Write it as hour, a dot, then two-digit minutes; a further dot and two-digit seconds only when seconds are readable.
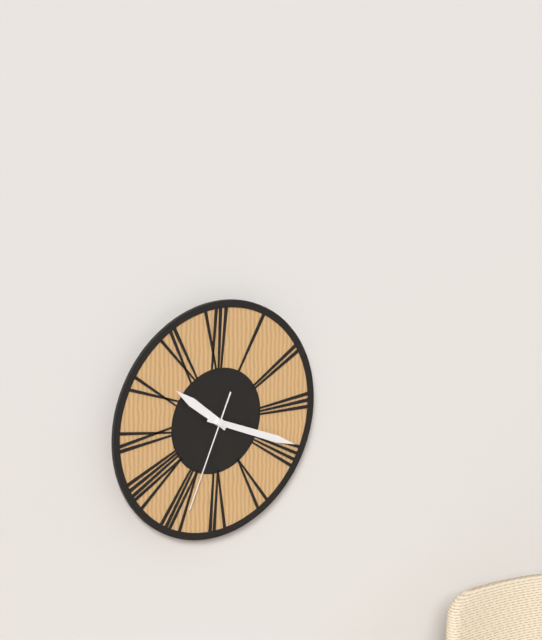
10.19.34
